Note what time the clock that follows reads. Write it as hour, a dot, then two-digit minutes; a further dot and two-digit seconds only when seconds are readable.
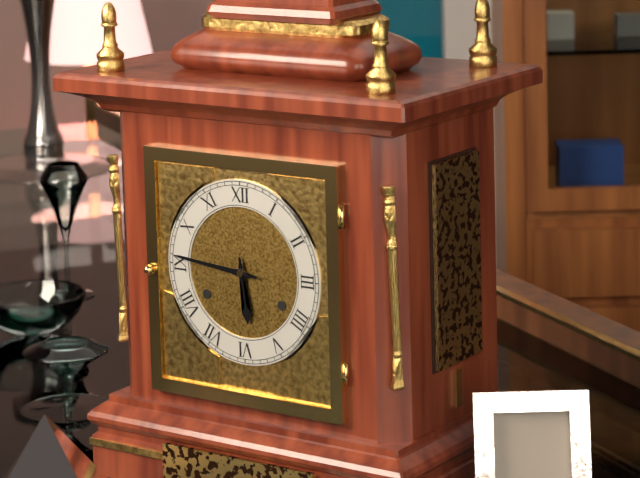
5.46
